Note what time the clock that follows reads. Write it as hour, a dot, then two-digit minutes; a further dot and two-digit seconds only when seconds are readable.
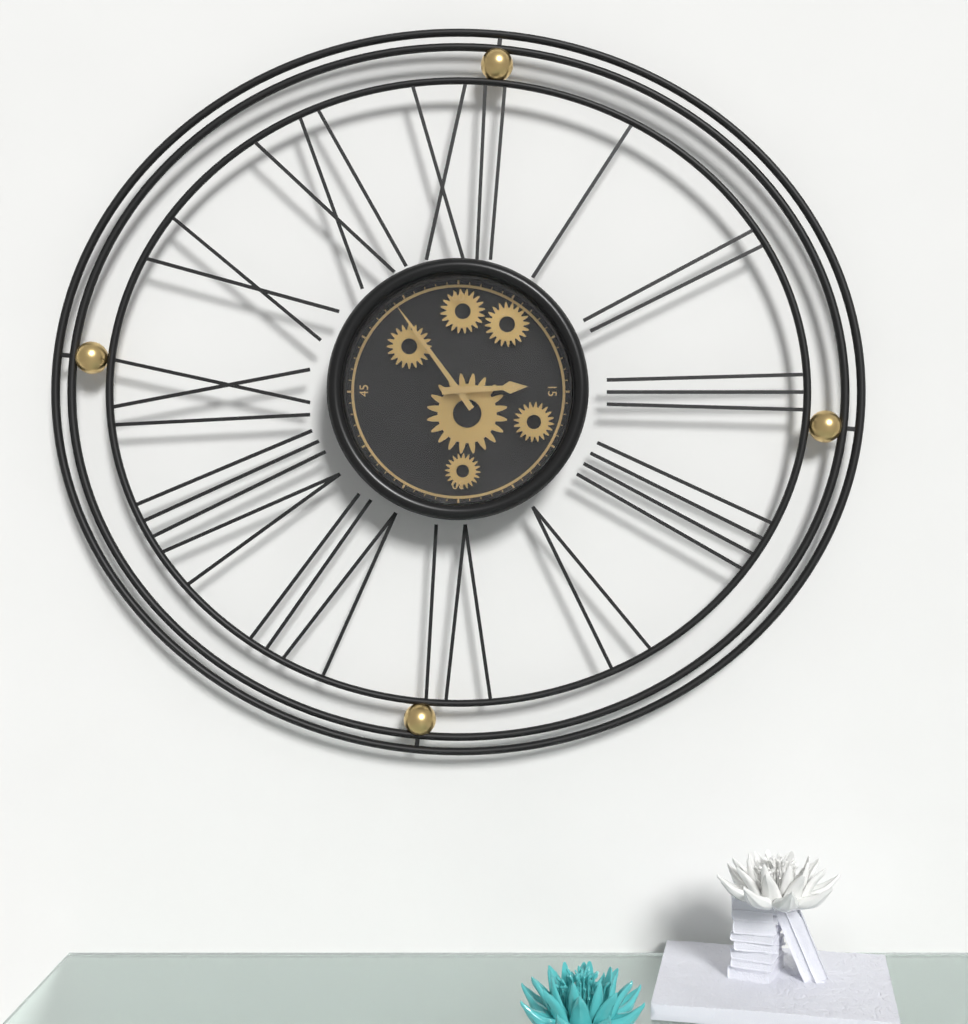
2.54
